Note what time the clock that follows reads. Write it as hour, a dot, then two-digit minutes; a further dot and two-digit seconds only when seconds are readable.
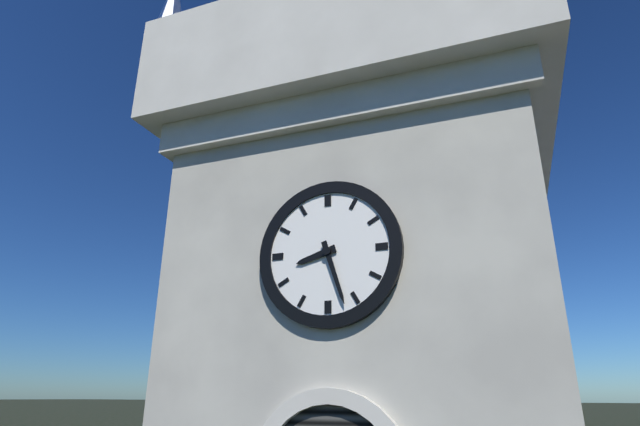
8.27
